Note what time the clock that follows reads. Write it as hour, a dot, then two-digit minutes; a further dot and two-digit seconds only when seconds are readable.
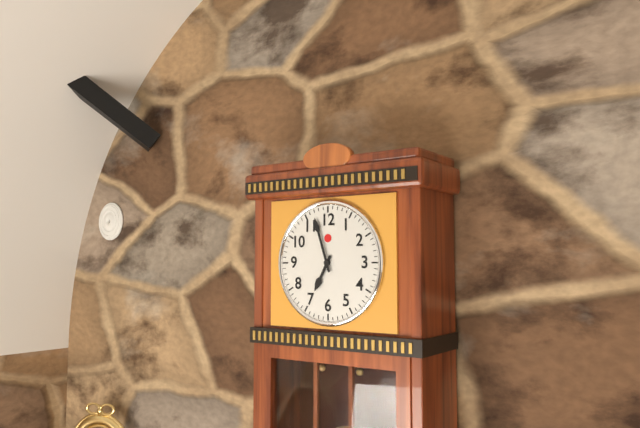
6.57
